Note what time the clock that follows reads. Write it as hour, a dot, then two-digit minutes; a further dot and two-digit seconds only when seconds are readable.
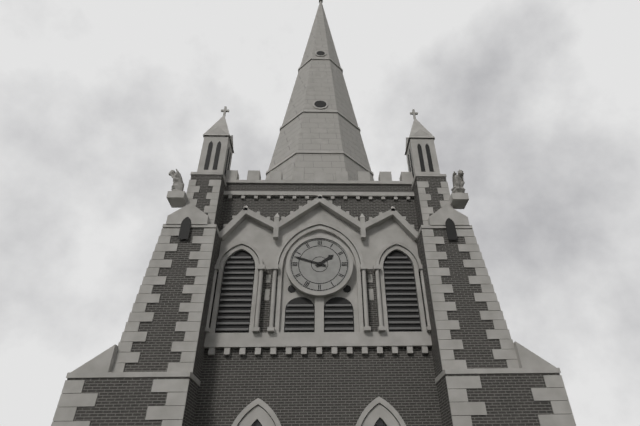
1.48
